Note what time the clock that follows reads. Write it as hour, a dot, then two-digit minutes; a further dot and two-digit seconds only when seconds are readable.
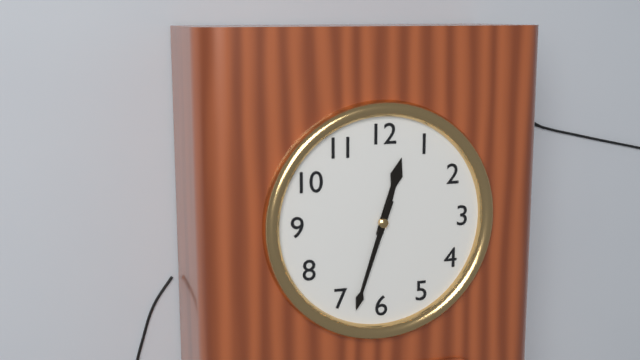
12.33
